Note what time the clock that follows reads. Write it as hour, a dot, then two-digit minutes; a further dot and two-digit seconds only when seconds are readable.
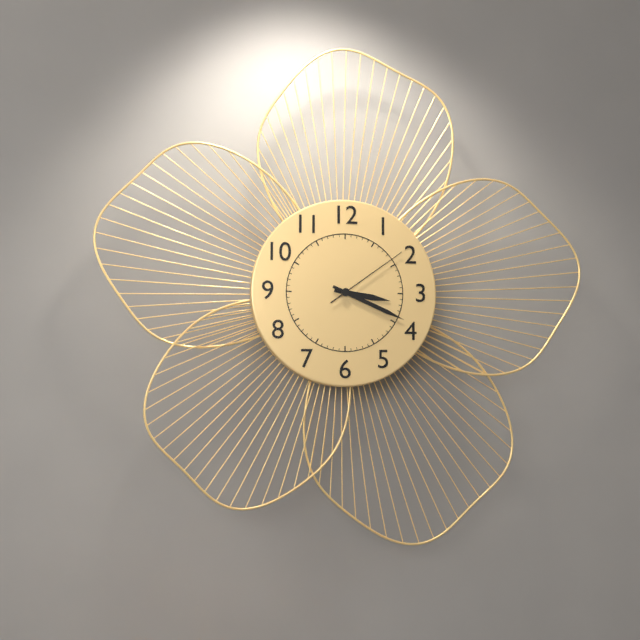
3.19.09
